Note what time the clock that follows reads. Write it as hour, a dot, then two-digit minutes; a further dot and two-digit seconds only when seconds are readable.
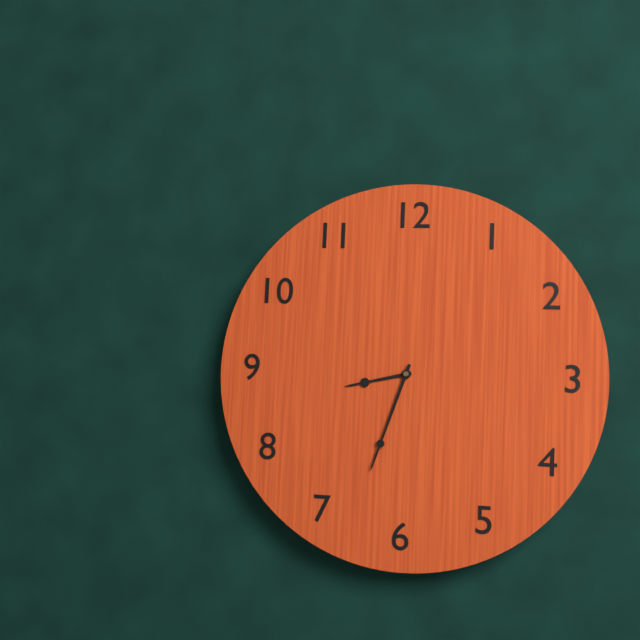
8.33
